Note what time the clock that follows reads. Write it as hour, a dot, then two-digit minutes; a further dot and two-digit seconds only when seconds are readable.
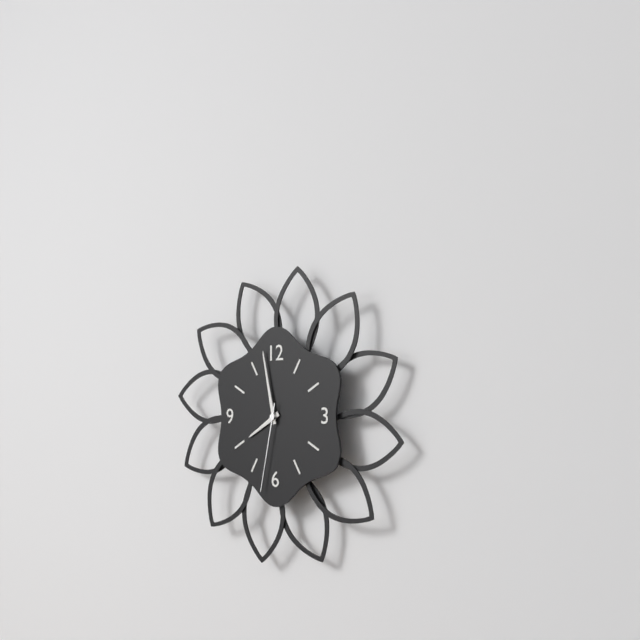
7.58.32
